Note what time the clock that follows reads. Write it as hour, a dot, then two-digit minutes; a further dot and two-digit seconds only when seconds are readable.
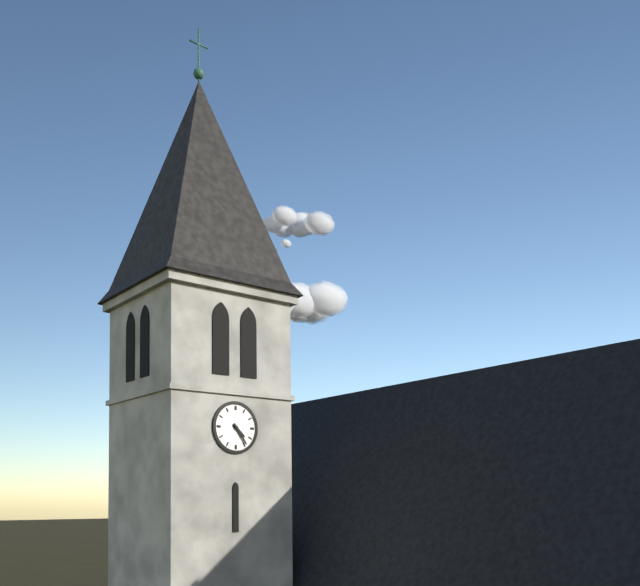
4.24
